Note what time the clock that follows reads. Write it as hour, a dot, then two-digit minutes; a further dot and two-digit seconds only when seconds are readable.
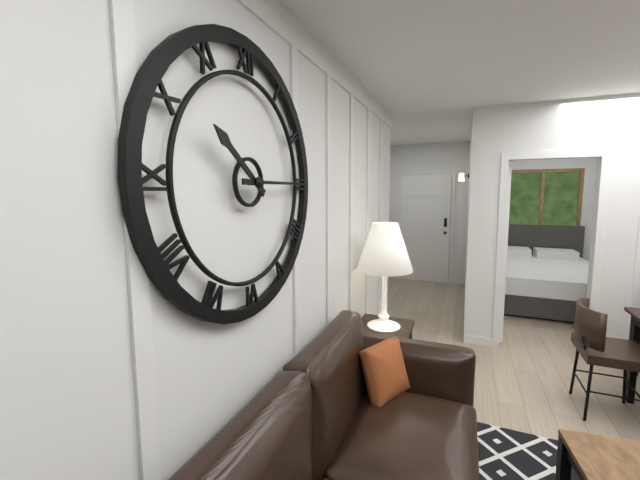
10.15
